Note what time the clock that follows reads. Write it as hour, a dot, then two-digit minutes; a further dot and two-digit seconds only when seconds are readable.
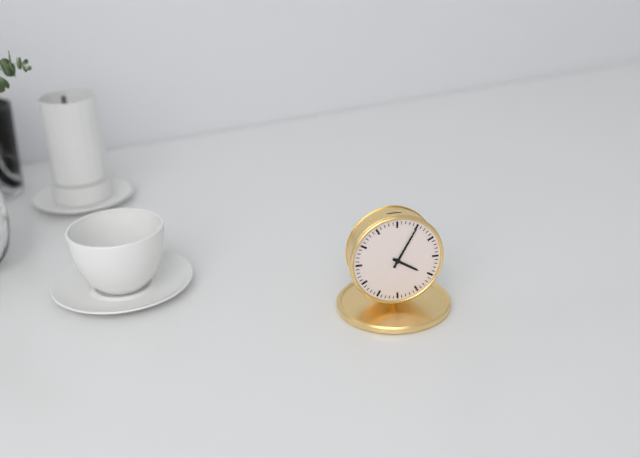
4.05
